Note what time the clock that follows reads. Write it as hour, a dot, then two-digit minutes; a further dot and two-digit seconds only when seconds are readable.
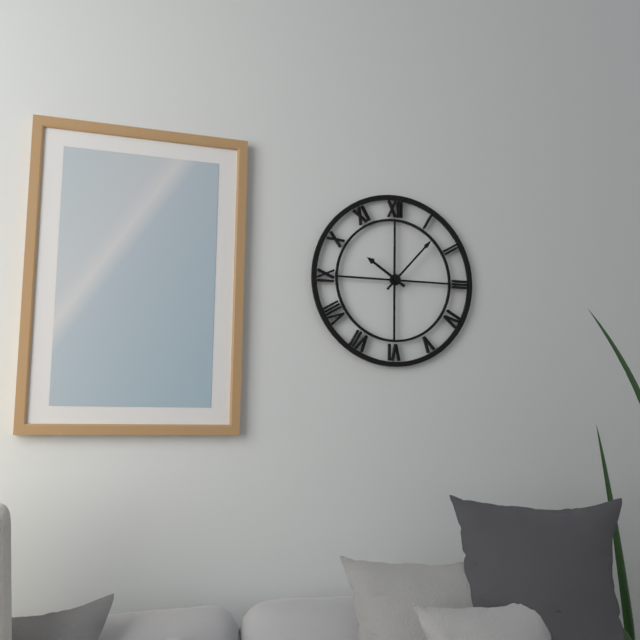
10.07
